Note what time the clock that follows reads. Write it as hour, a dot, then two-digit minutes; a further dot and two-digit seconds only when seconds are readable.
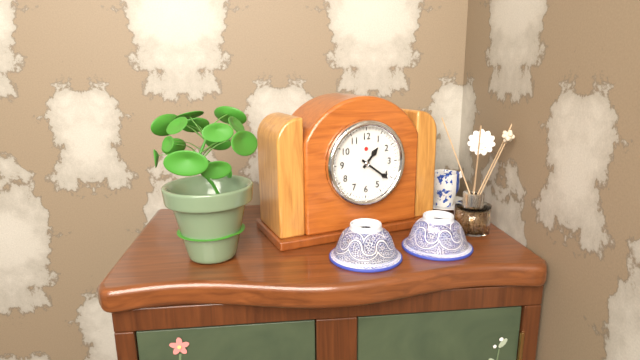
1.21
